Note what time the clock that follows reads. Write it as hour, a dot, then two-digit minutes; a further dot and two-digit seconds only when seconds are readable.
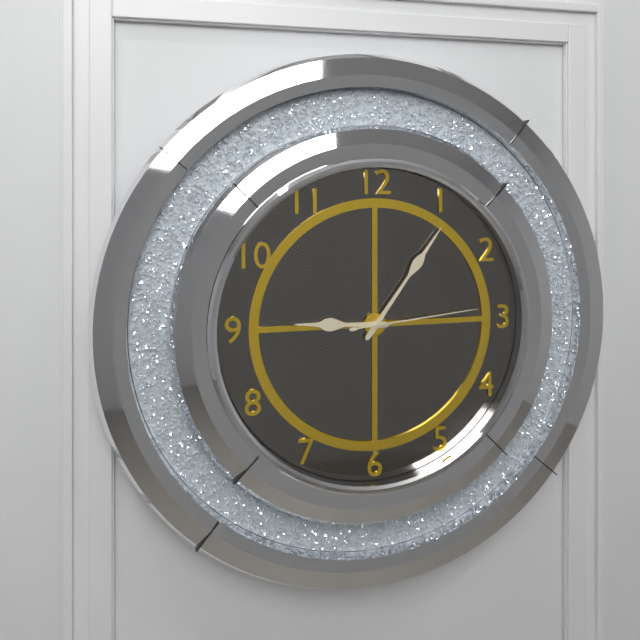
9.06.14
